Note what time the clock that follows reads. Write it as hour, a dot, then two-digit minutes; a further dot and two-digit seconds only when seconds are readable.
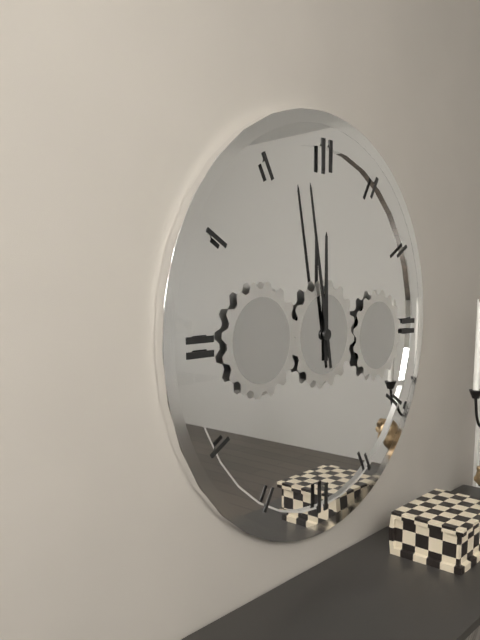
11.58
